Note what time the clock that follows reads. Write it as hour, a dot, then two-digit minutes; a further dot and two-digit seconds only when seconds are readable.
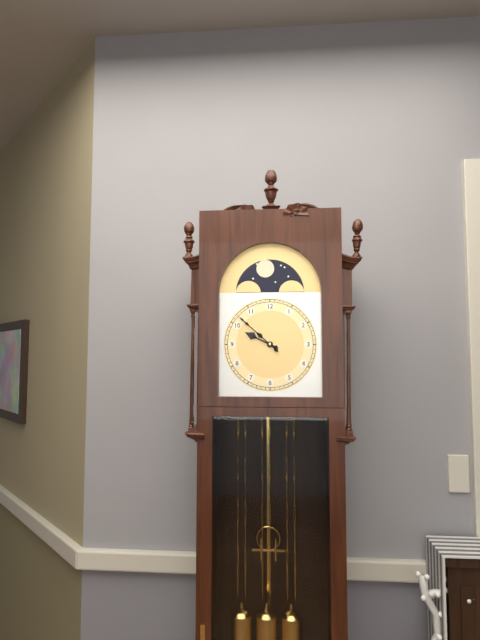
9.52
